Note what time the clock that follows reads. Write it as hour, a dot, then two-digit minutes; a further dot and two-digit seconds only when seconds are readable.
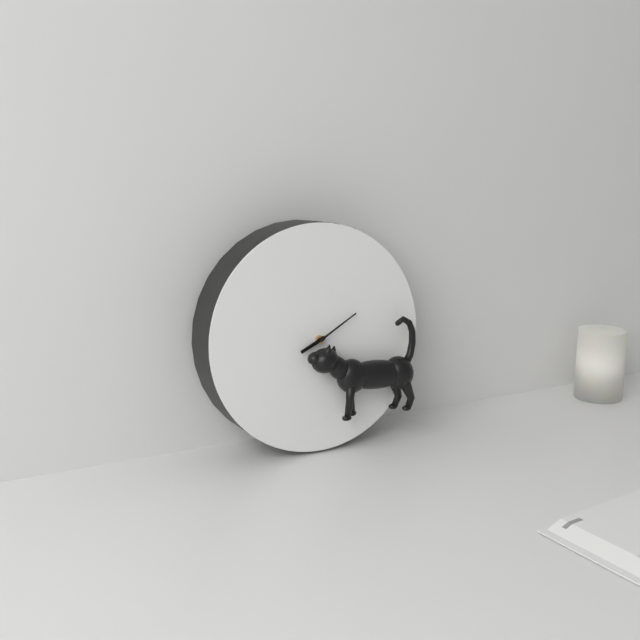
8.10
